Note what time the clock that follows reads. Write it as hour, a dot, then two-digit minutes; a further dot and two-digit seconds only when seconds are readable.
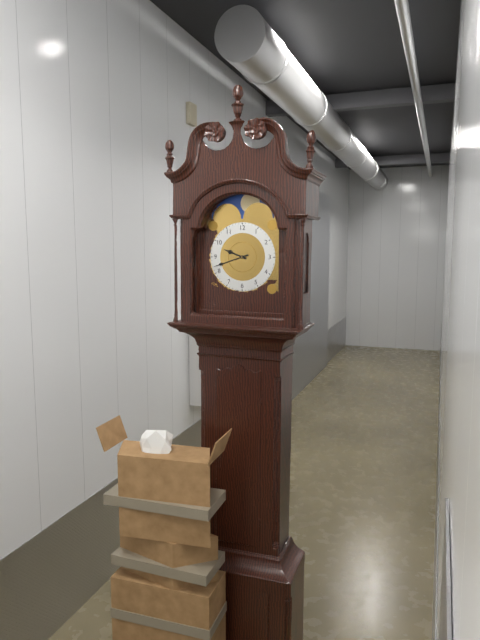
9.42
